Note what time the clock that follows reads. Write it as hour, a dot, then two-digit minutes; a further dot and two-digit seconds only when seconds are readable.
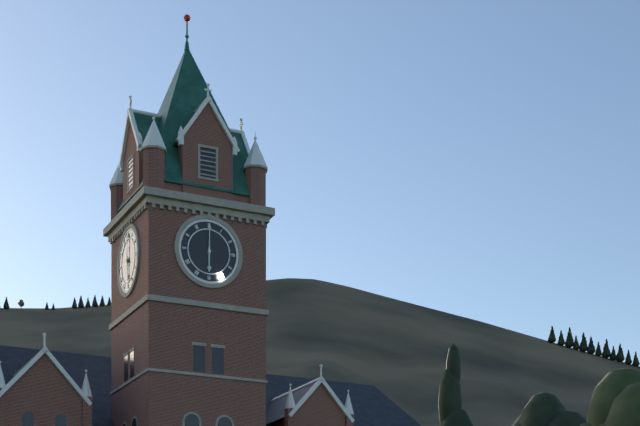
6.00
